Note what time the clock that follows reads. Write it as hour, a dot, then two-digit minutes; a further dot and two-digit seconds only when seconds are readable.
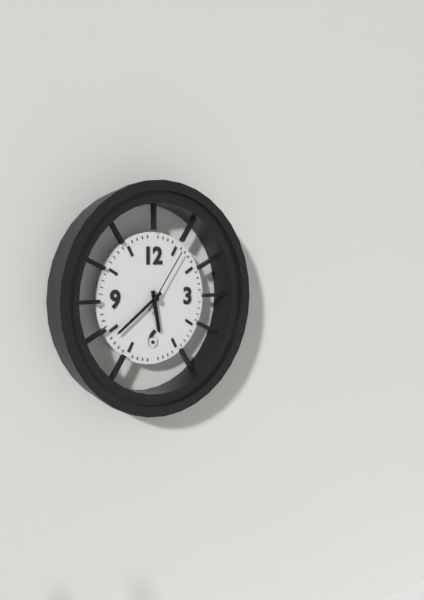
5.39.06
